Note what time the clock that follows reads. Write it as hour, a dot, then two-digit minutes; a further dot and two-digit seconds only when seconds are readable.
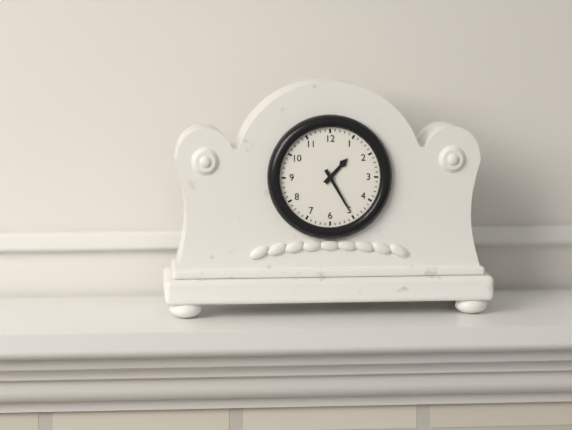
1.25
